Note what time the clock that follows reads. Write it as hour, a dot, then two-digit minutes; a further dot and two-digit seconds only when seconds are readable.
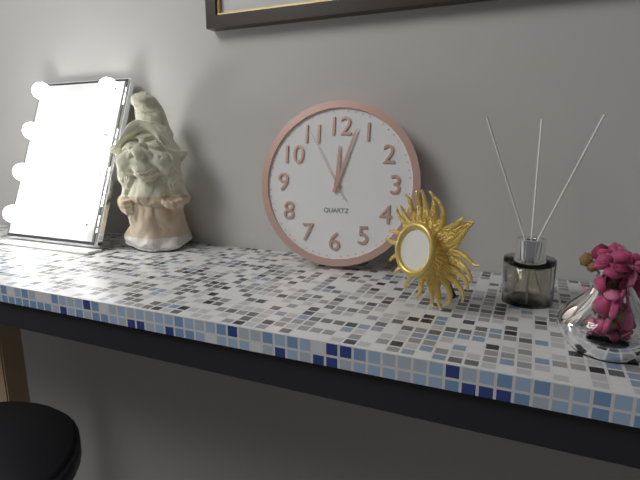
12.03.55
